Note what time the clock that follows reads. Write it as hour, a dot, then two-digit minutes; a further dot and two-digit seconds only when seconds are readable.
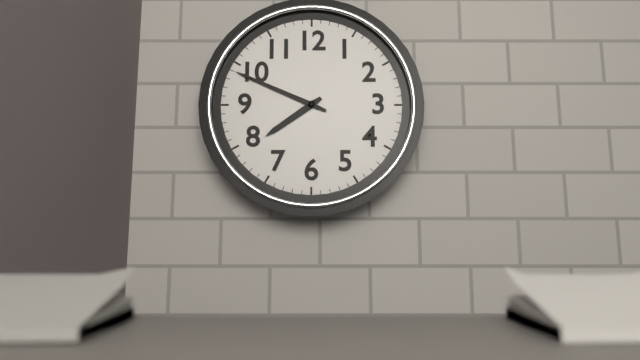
7.49
